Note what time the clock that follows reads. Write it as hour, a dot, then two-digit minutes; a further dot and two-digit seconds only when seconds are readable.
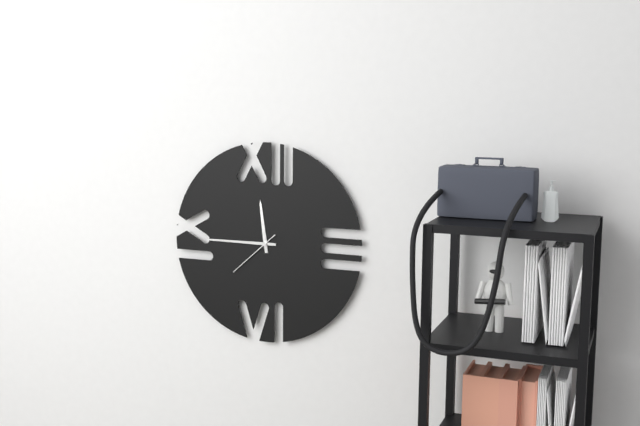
11.45.38
